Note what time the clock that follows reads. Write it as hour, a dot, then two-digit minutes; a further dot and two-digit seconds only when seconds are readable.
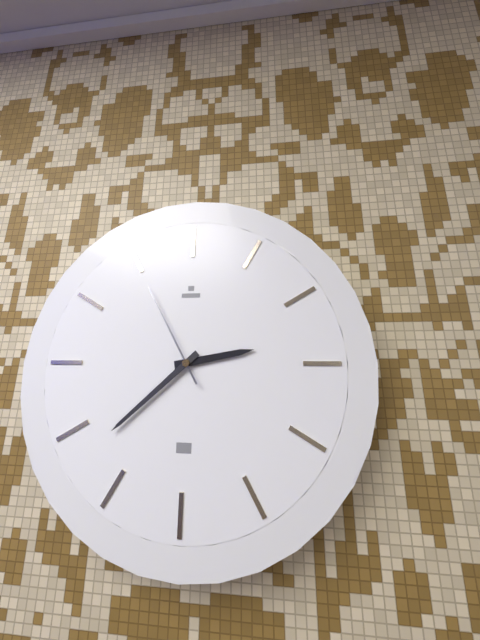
2.38.55
